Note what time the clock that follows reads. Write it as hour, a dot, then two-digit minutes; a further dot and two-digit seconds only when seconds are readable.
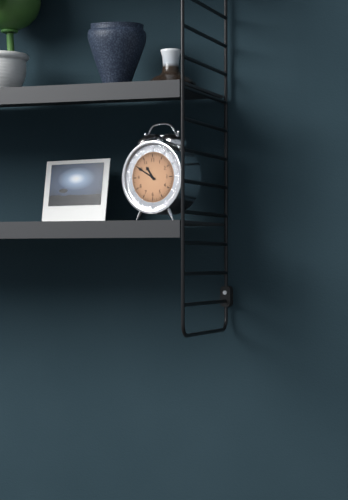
10.50
